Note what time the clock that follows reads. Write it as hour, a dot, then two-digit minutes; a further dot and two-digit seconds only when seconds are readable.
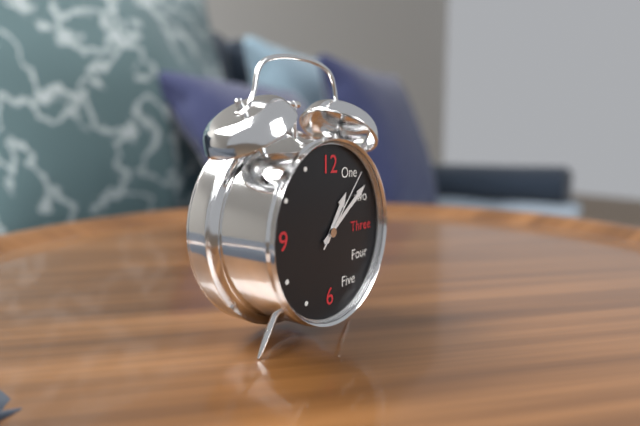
1.09.07
